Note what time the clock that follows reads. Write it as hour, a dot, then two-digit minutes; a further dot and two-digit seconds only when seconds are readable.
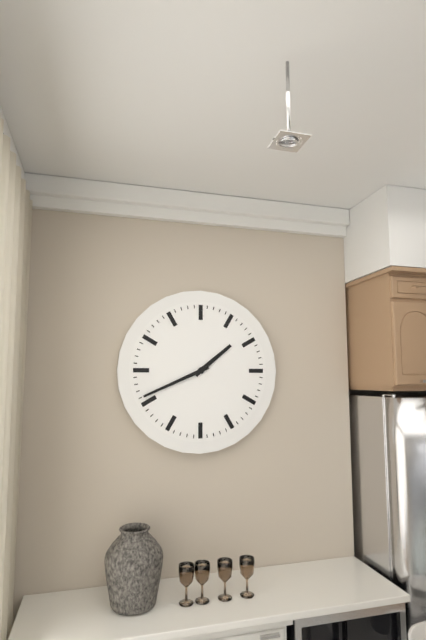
1.41
